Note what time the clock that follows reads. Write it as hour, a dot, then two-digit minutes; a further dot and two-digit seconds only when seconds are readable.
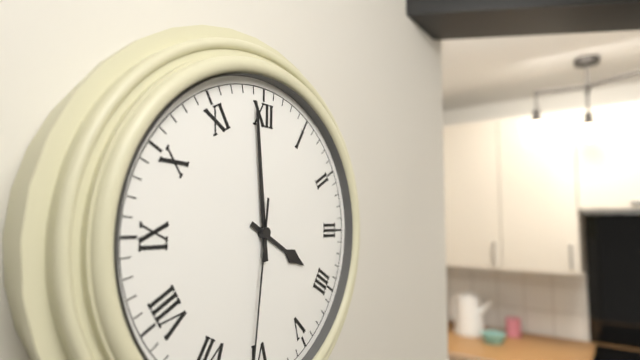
3.59
